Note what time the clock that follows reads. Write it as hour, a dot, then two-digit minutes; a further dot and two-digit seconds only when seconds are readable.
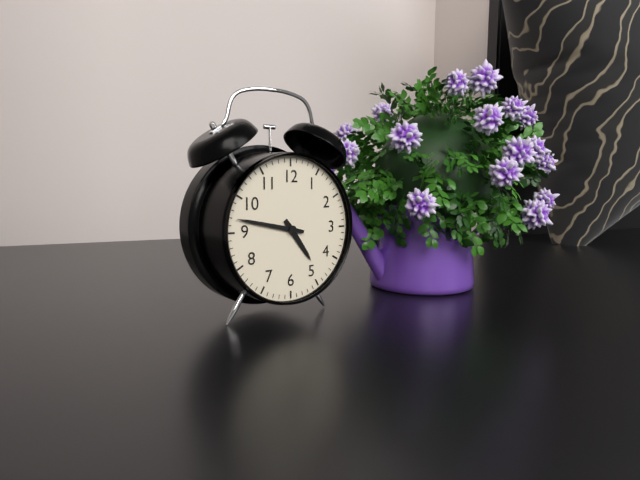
4.47
